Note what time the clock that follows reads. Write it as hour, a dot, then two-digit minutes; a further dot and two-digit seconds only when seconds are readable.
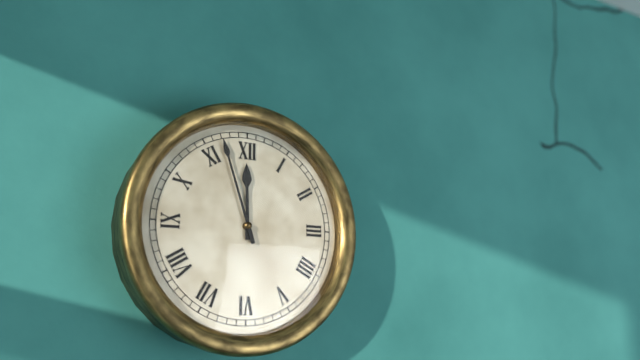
11.57
